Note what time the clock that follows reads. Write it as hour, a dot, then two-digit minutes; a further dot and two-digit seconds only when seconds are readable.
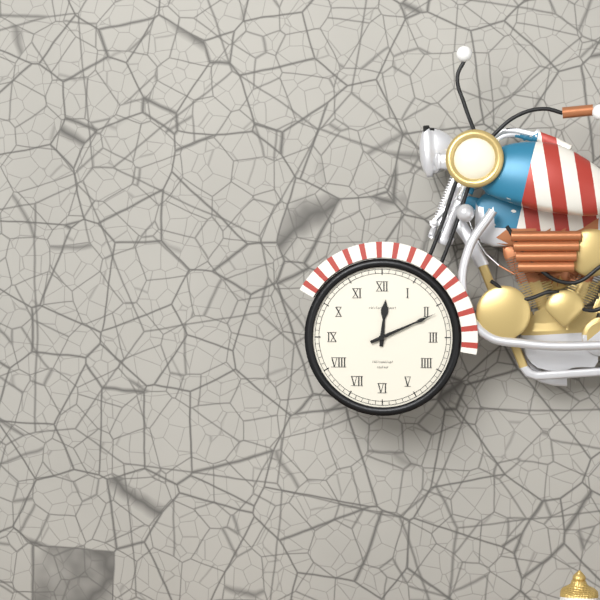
12.11
